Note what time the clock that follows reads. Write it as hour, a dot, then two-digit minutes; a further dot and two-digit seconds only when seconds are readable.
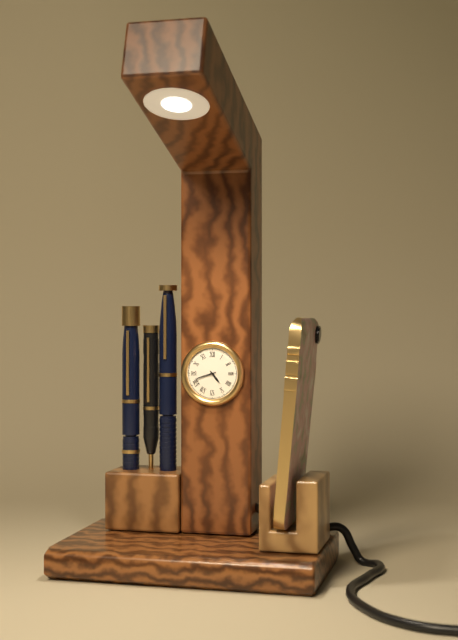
4.42
